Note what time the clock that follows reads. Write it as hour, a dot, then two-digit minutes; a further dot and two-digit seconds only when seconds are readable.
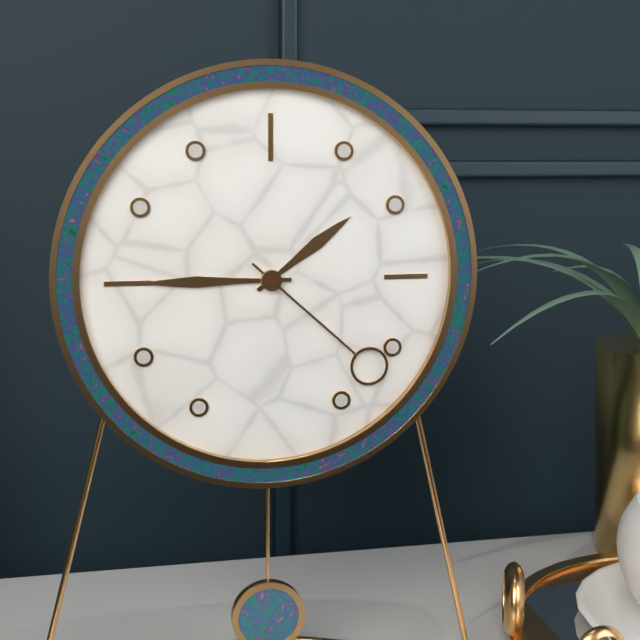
1.45.22
